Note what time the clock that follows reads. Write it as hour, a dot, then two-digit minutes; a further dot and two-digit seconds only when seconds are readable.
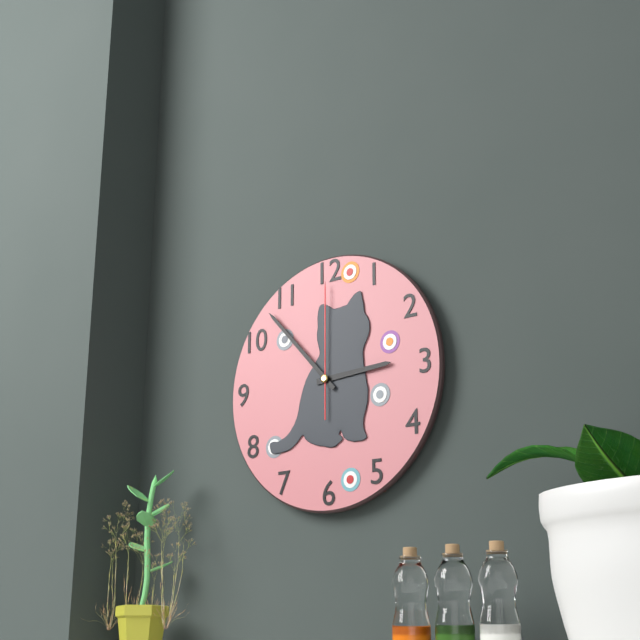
2.53.00
